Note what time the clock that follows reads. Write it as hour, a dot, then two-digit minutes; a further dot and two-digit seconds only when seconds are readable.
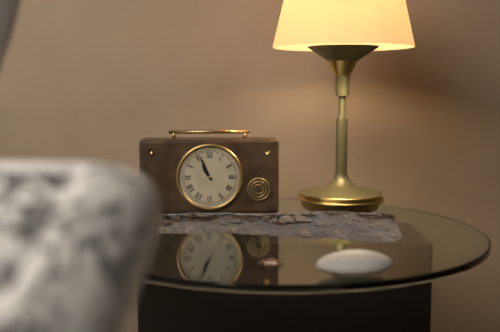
10.56
